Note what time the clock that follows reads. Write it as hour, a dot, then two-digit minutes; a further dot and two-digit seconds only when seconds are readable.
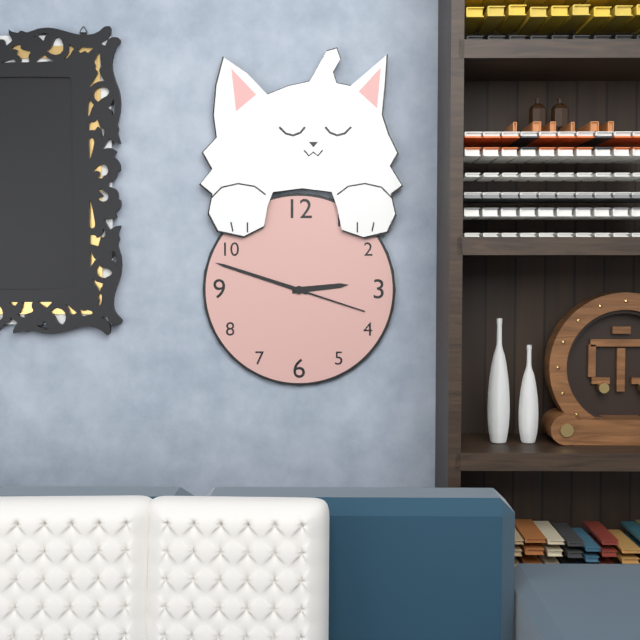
2.48.18
